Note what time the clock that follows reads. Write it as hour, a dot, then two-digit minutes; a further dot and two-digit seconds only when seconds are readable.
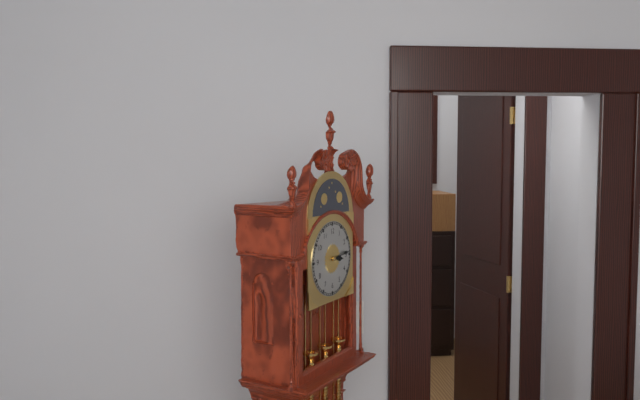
3.14
